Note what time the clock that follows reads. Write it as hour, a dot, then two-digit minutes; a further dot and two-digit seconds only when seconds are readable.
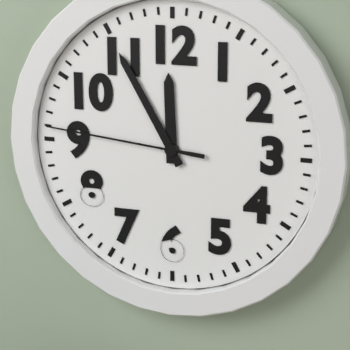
11.55.46
